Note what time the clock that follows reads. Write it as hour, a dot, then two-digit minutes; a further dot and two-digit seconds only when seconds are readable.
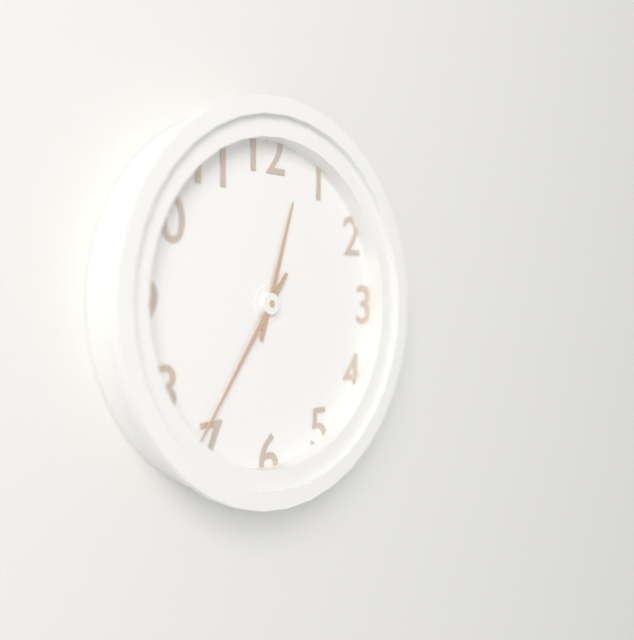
12.36
